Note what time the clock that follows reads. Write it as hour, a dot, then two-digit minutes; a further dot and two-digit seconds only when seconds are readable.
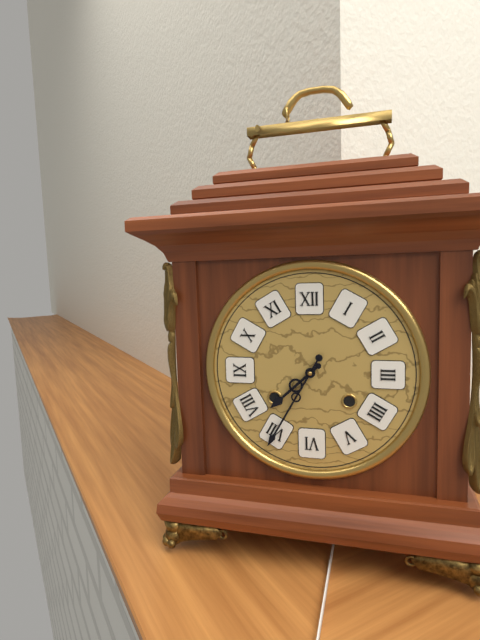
7.35
